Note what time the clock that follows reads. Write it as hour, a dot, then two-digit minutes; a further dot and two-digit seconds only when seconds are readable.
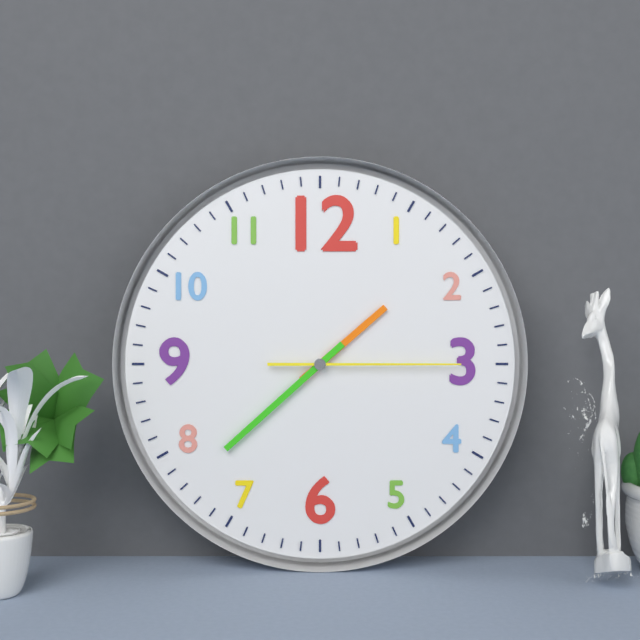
1.38.15
